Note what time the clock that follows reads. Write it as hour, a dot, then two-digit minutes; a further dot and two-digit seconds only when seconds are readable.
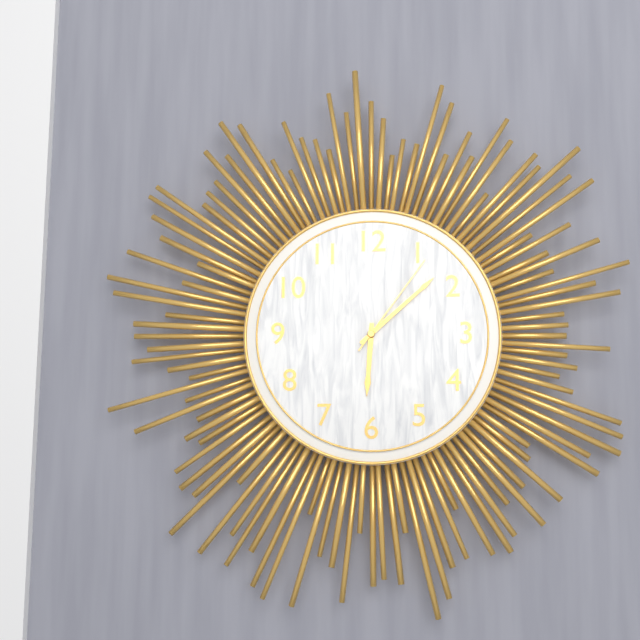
6.08.06
